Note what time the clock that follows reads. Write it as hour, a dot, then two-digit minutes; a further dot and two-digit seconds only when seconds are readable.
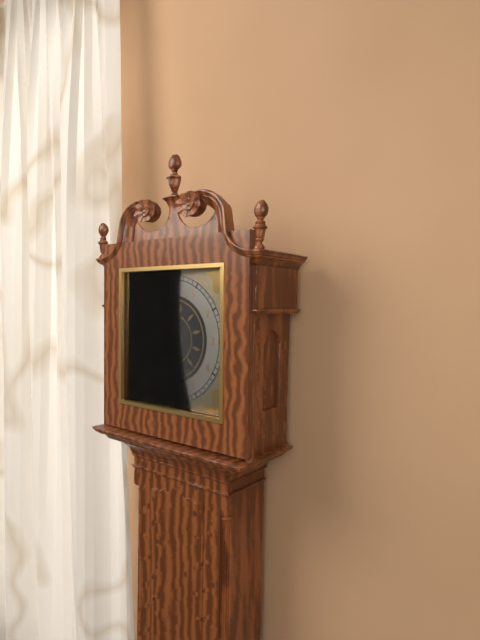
9.55
